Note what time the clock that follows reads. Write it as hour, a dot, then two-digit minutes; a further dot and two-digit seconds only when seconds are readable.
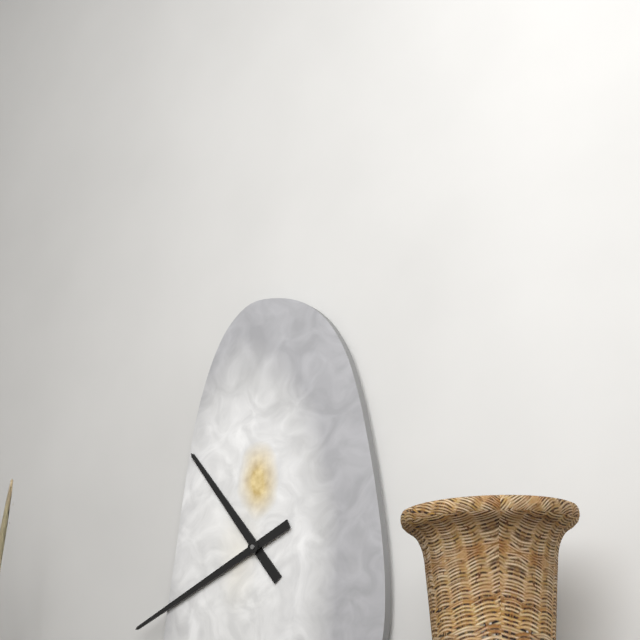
10.41
